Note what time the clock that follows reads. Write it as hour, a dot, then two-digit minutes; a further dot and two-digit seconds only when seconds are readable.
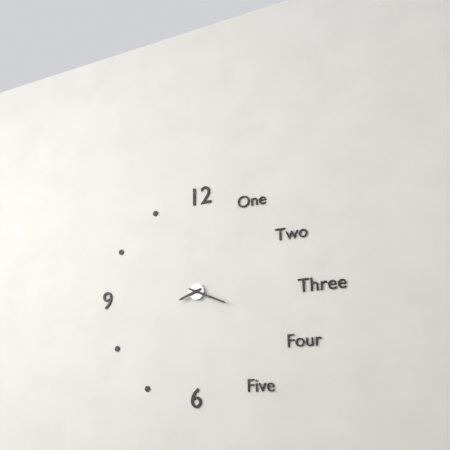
8.19
